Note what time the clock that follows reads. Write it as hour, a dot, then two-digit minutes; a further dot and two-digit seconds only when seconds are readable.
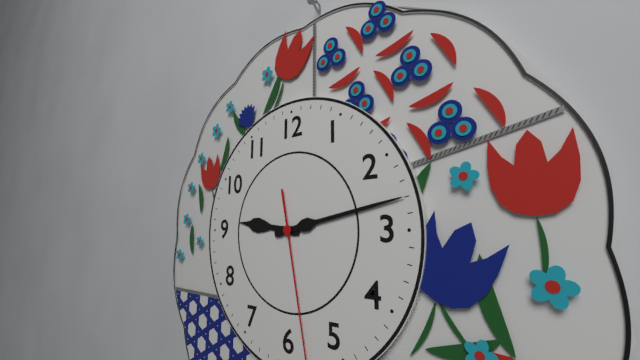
9.13
